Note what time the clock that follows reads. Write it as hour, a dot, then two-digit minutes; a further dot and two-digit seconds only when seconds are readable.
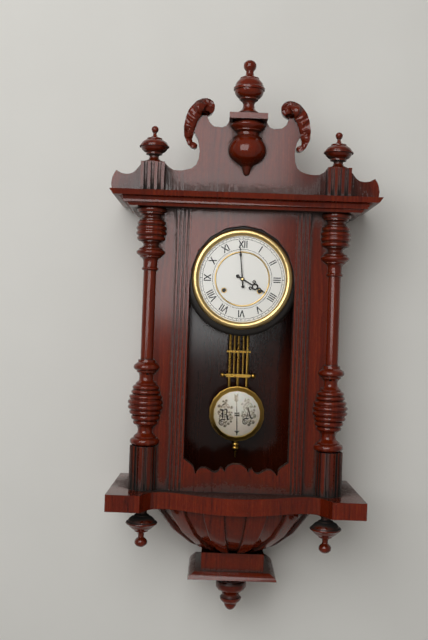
3.59
